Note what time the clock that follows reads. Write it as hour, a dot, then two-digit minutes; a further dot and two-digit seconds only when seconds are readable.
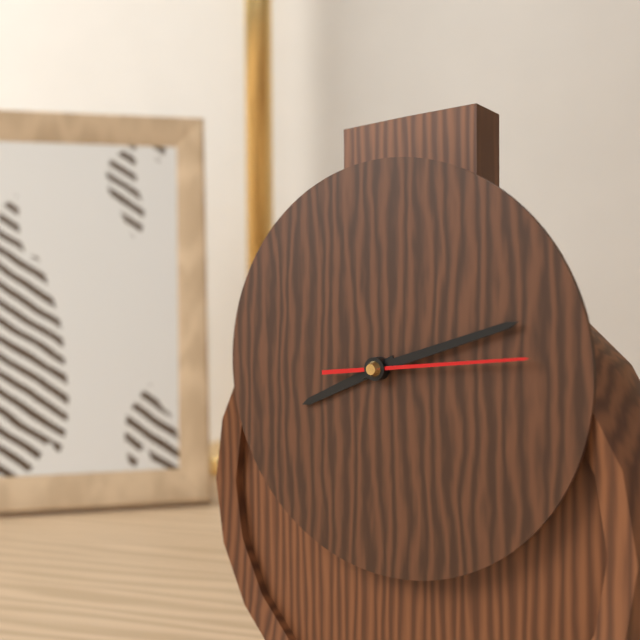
8.12.14
